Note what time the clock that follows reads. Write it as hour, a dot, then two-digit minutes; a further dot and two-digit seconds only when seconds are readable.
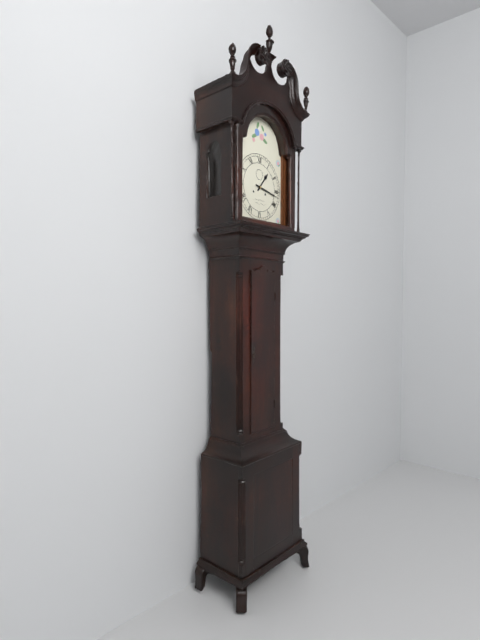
1.17
